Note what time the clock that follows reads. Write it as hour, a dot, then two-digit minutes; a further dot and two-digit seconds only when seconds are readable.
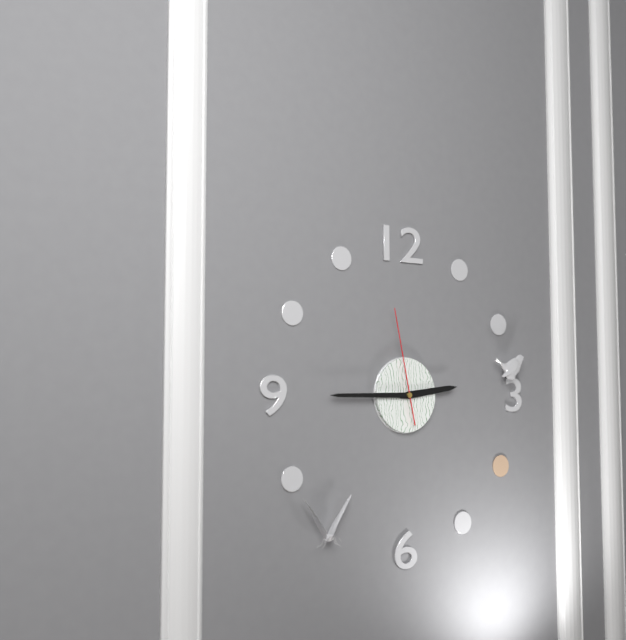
2.45.58
